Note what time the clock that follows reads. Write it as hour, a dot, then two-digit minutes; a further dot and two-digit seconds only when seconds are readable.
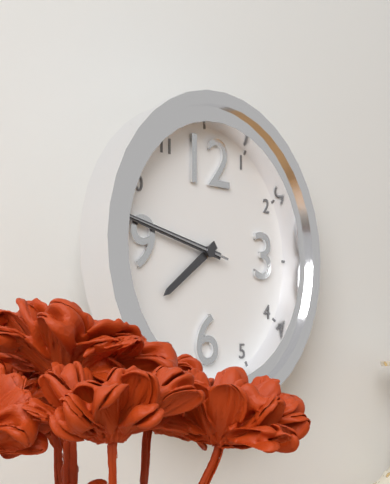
7.47.47
